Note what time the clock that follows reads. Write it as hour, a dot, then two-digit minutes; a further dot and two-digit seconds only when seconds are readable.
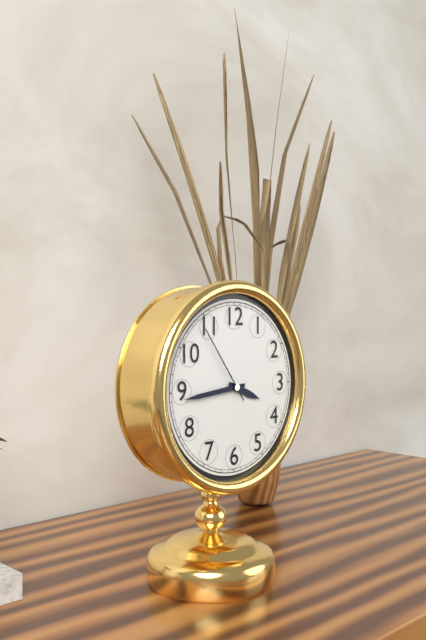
3.44.54
